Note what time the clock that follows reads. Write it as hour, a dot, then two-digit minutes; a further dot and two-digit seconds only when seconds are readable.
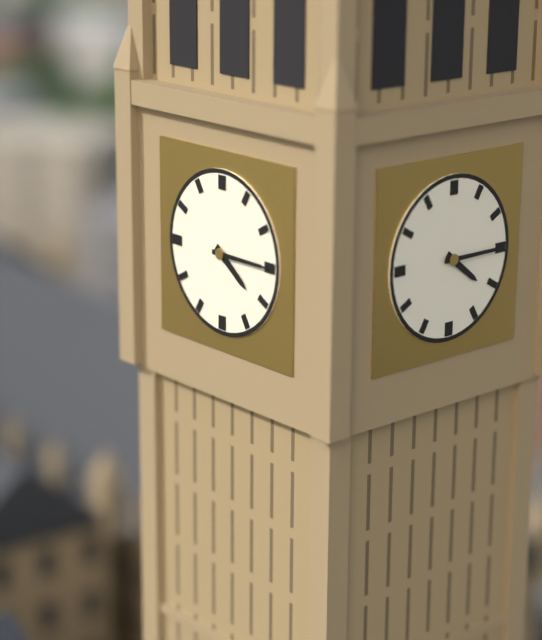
4.15
